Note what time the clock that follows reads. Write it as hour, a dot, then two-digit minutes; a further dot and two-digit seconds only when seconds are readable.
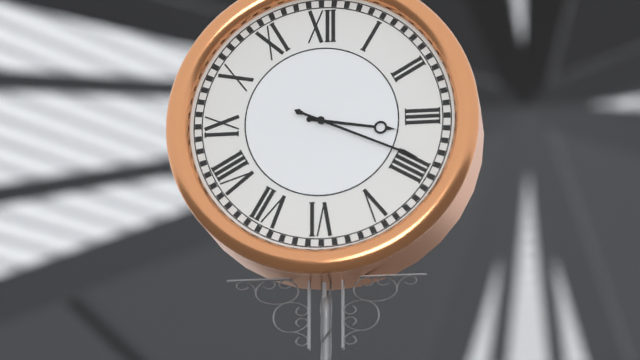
3.19
